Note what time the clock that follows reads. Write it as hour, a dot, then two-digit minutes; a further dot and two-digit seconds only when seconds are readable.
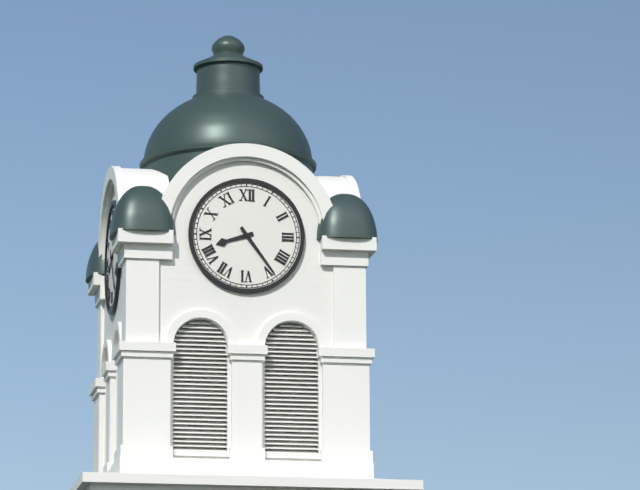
8.24
